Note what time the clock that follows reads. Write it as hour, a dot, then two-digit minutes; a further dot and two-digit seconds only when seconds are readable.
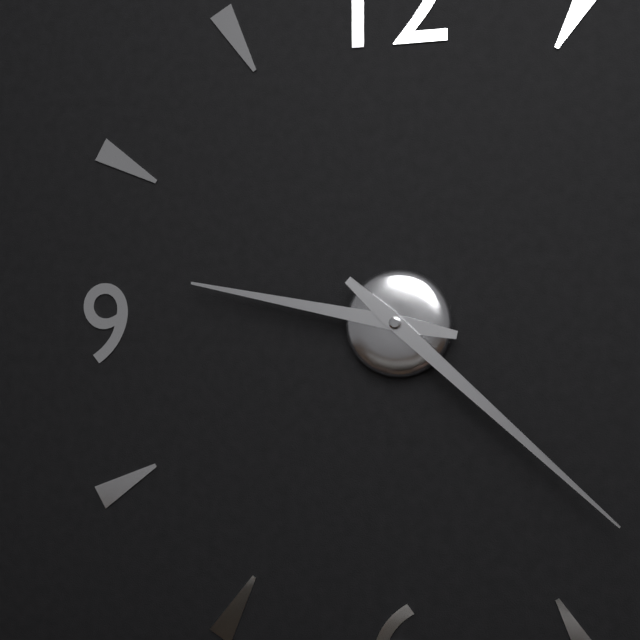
9.22
